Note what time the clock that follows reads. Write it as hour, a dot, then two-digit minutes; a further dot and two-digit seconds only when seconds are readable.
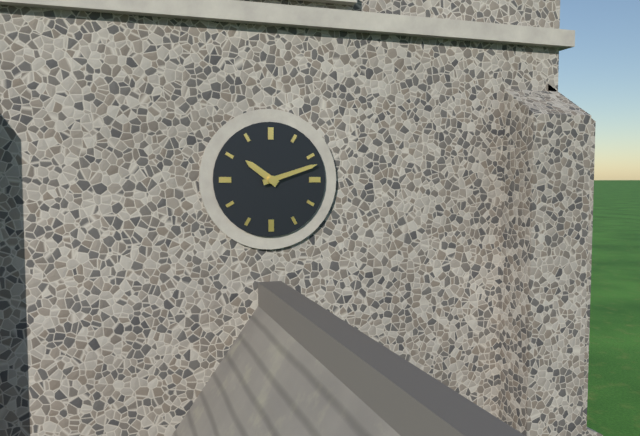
10.12
